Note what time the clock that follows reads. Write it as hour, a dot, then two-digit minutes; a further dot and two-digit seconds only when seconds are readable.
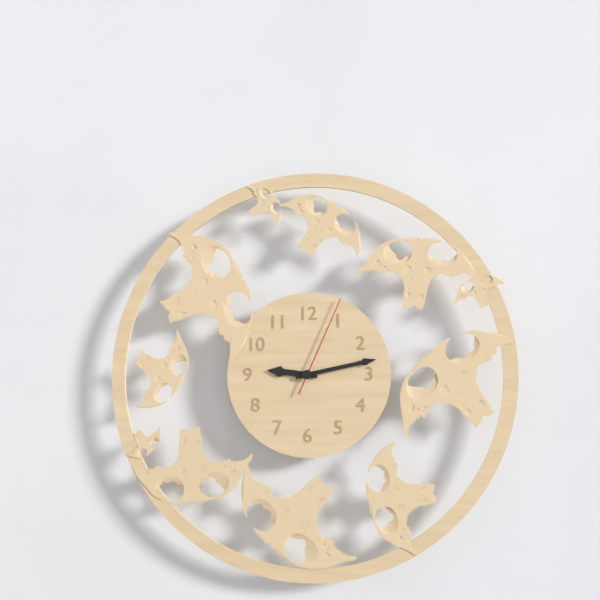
9.13.04
